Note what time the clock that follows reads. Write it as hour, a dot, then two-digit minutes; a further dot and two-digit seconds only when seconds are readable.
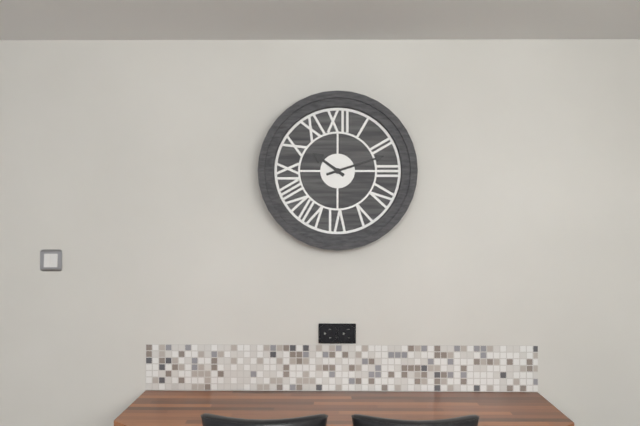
10.12
